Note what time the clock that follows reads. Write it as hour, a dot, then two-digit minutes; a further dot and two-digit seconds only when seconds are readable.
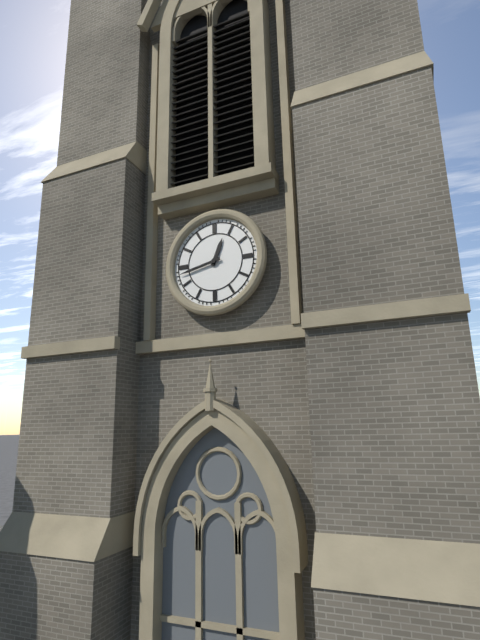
12.43
